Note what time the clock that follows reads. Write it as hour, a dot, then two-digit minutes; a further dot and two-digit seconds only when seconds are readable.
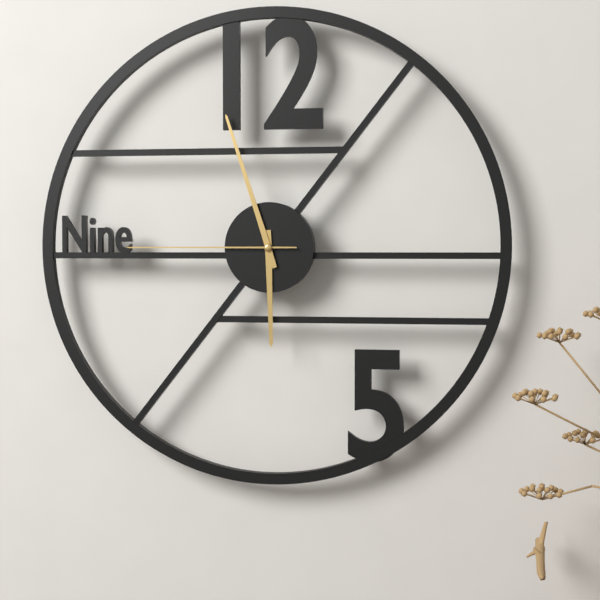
5.57.45
